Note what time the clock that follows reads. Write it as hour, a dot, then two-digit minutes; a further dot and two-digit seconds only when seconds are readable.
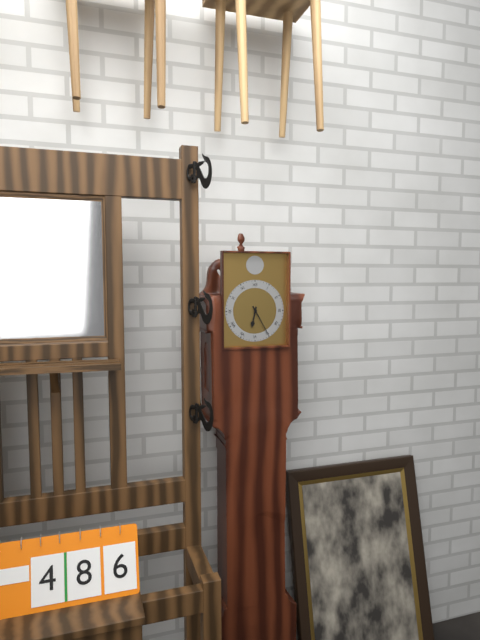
6.25
